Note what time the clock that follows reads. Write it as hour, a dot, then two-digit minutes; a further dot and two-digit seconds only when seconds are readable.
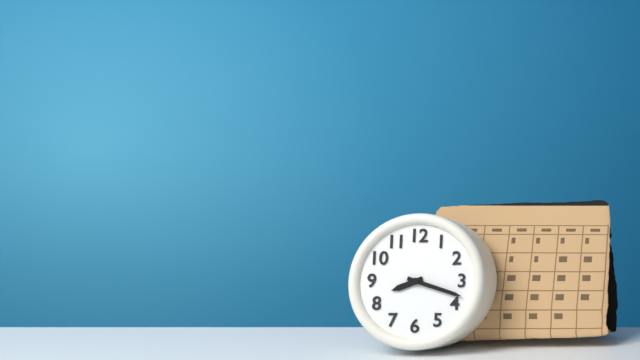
8.18
